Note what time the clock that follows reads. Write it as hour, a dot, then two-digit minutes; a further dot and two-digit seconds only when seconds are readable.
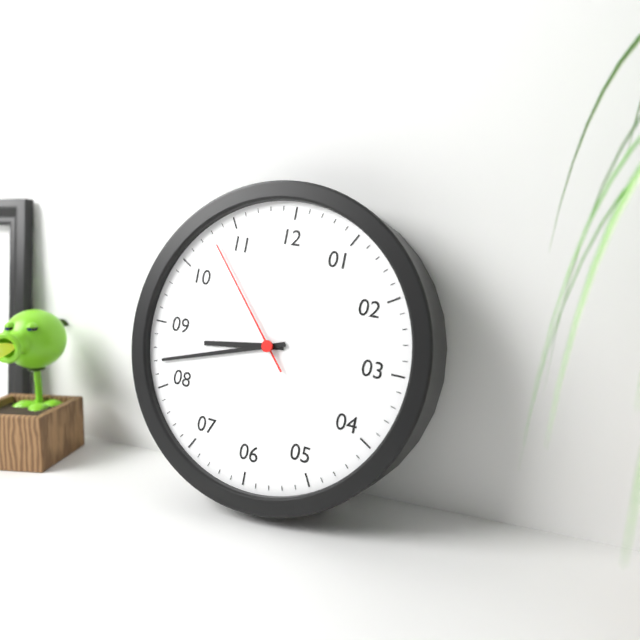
8.42.53
